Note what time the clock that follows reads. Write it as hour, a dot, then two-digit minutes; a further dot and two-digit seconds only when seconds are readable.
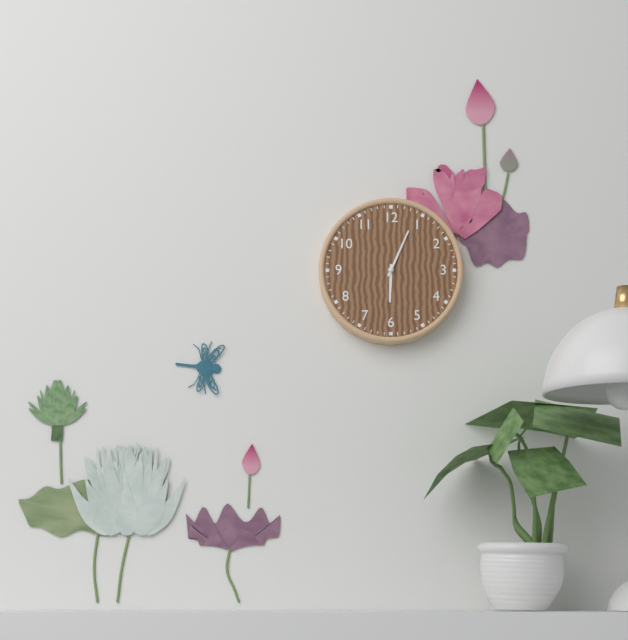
6.04
